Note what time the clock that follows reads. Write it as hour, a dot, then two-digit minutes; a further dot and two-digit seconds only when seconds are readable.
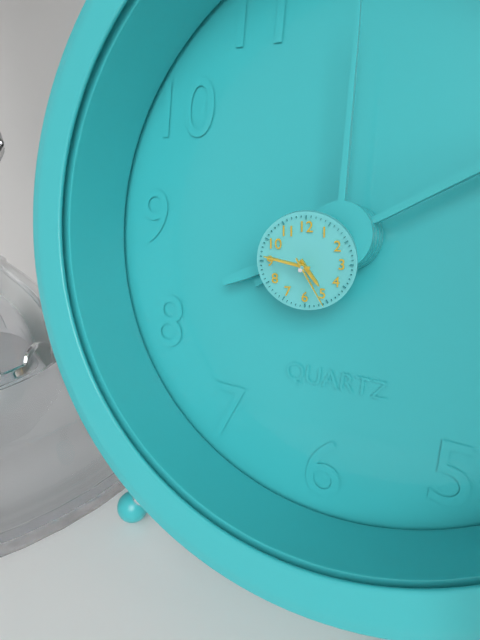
4.47.25
